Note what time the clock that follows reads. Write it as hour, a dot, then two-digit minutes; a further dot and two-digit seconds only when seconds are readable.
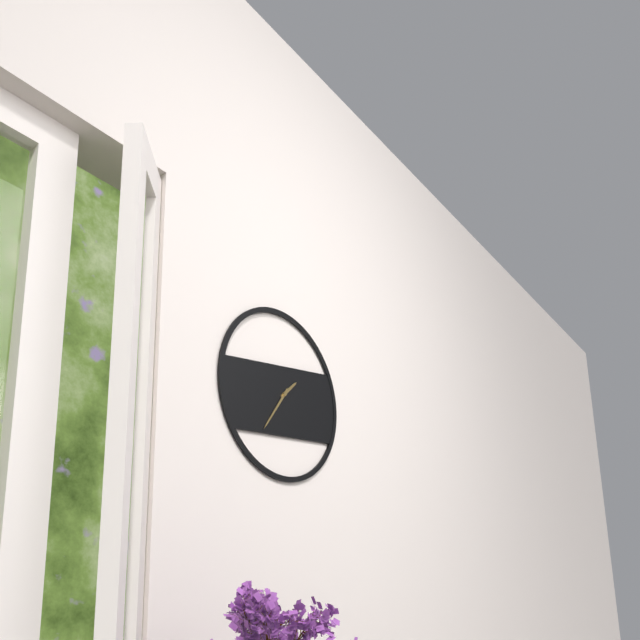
1.36
